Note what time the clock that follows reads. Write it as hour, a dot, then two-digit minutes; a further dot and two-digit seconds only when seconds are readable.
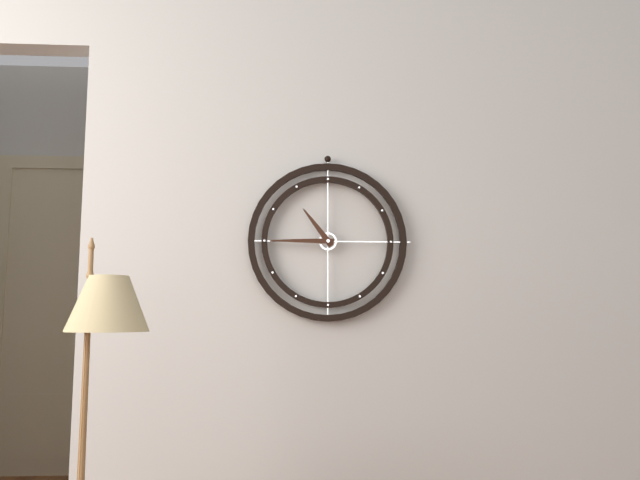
10.45
